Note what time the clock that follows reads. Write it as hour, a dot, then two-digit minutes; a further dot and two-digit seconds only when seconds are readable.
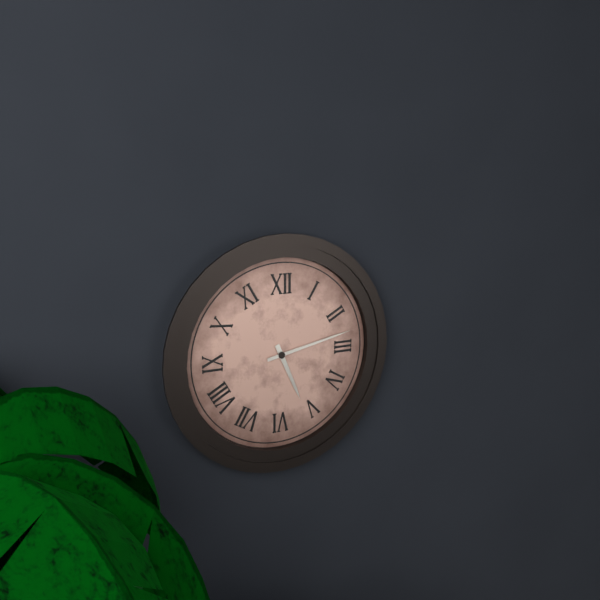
5.13
